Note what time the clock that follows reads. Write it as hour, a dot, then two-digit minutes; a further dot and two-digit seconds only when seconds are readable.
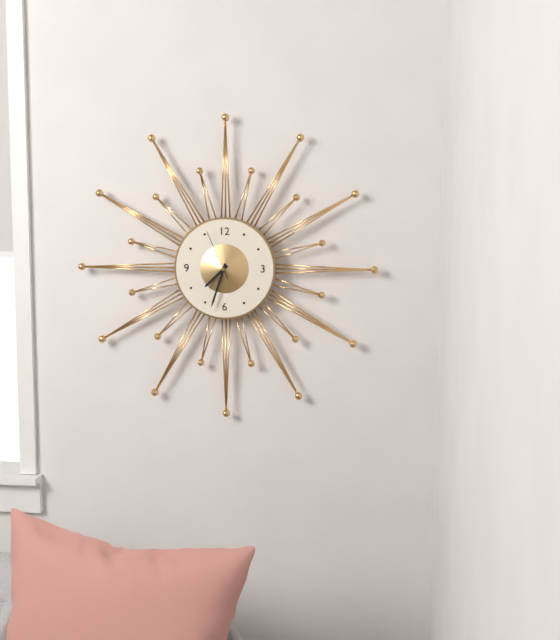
7.33.56
